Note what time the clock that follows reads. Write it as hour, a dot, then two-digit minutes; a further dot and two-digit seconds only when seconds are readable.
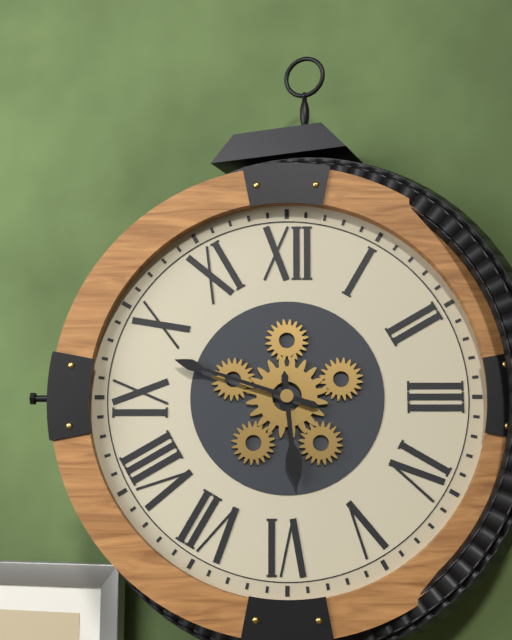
5.48
